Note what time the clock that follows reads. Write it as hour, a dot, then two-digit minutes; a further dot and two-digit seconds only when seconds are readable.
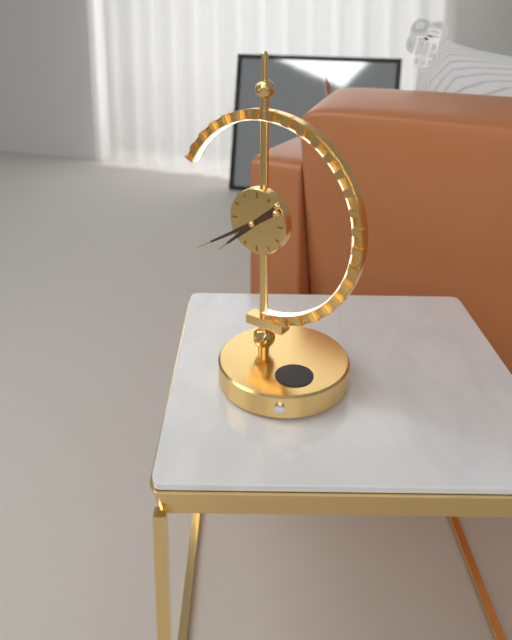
7.40
